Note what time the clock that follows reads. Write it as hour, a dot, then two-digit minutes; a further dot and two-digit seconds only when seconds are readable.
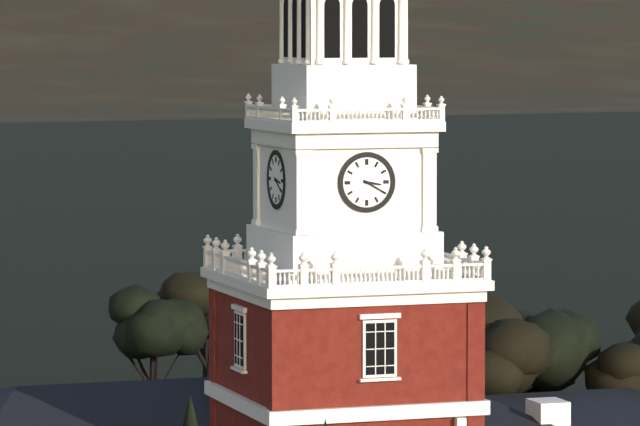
3.20
